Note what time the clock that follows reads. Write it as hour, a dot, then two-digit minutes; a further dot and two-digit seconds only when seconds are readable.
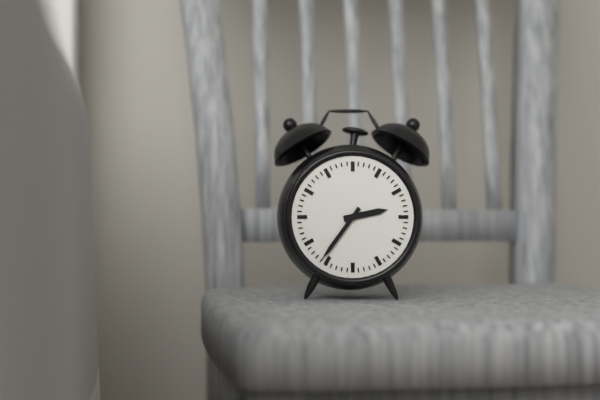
2.36
